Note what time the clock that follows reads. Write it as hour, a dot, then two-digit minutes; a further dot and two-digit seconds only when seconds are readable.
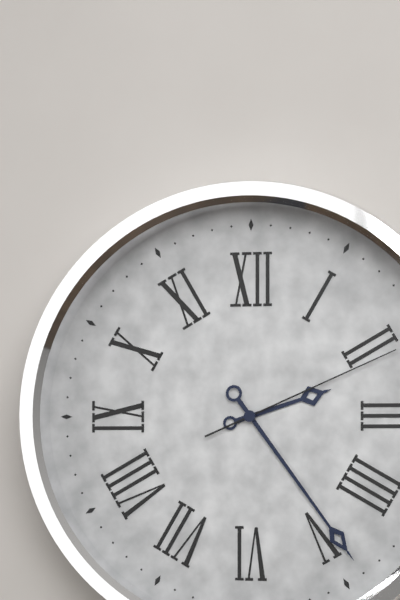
2.24.11
